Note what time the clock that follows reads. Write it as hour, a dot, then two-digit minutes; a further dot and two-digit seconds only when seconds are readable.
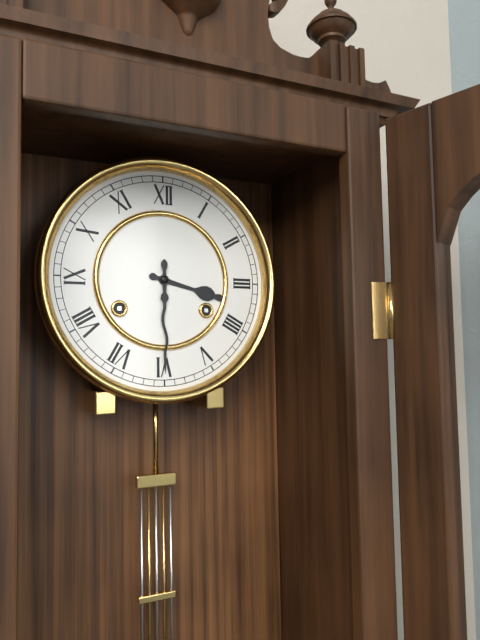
3.30
